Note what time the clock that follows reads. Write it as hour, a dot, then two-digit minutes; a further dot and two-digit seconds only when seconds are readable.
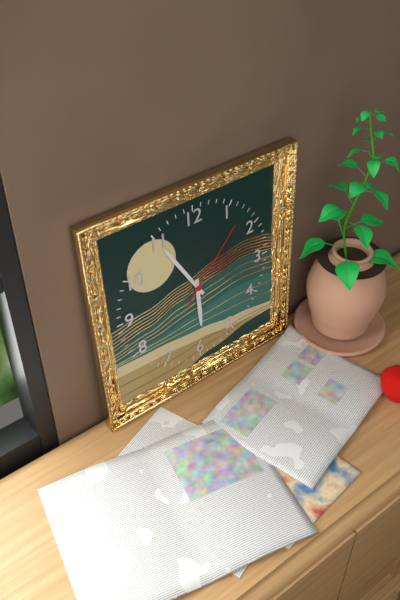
5.55.07
